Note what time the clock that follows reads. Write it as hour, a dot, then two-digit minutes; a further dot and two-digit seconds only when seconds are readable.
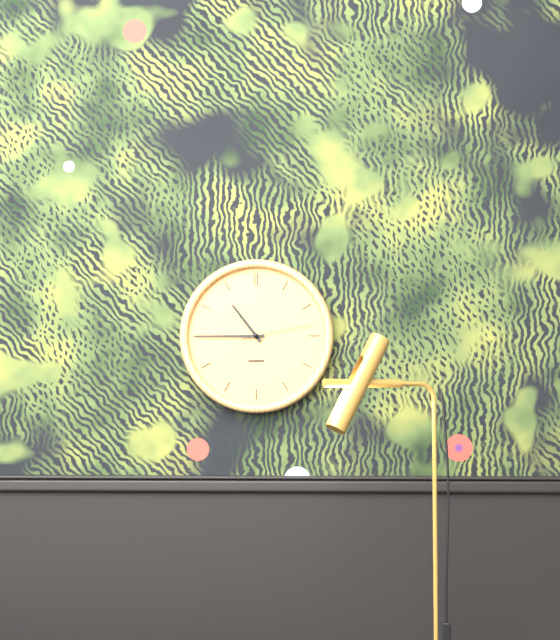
10.45.13
